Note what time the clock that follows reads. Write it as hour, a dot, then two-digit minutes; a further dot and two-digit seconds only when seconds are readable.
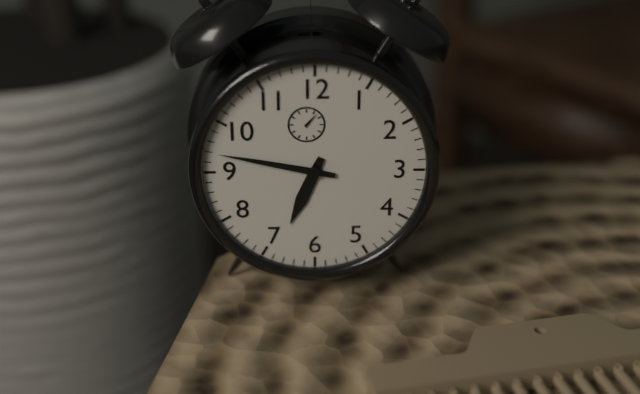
6.47
